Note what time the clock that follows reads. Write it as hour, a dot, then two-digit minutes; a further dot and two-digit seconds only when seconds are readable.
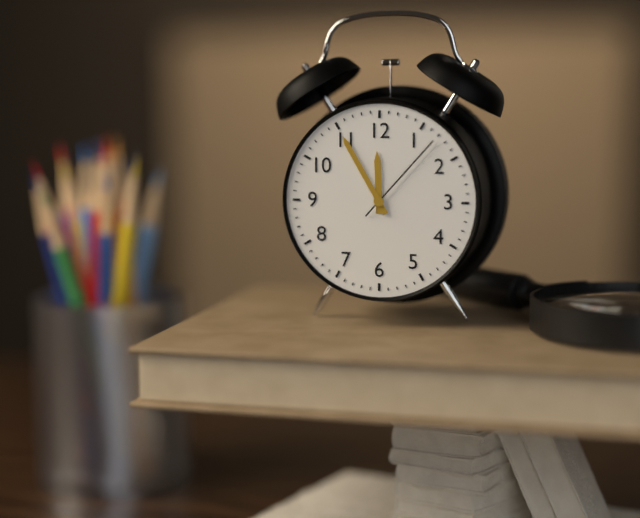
11.55.07
